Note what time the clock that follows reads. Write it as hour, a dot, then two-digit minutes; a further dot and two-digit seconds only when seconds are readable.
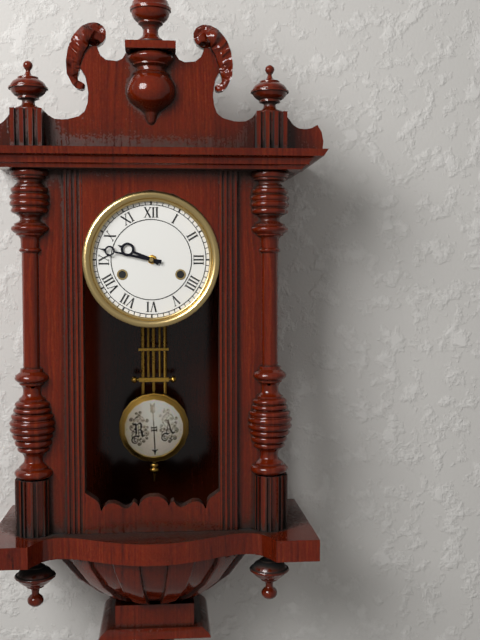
9.47
